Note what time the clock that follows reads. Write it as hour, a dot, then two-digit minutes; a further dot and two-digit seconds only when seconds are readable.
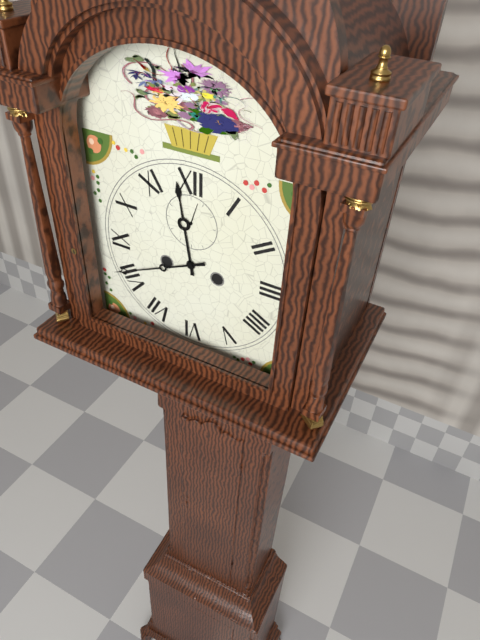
11.41
